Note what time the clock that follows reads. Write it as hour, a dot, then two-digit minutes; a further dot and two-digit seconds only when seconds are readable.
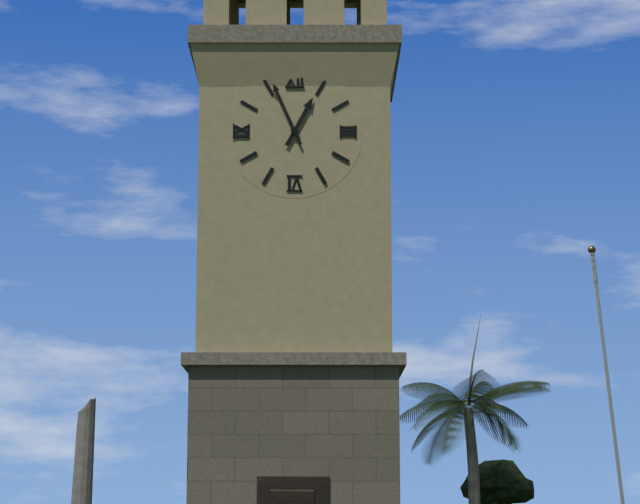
12.56
